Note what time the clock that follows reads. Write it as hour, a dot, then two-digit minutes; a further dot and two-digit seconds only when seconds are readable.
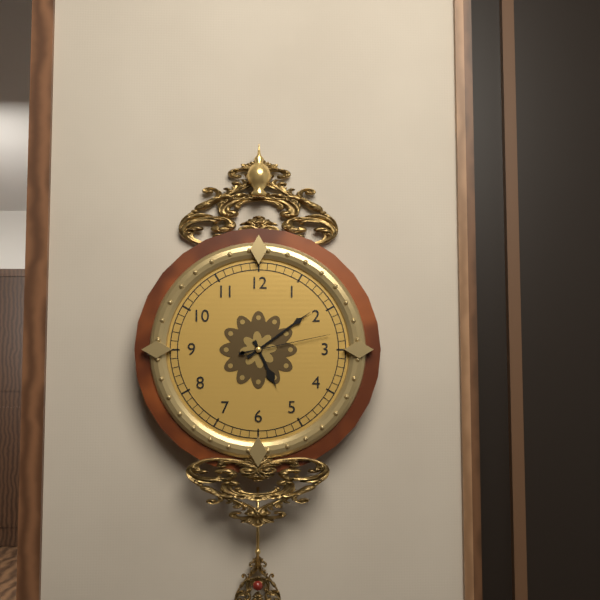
5.09.13
